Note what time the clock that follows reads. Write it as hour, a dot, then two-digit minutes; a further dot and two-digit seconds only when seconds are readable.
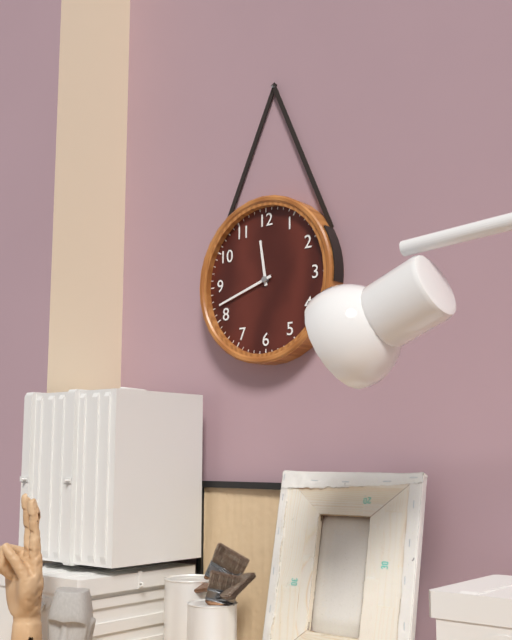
11.42
